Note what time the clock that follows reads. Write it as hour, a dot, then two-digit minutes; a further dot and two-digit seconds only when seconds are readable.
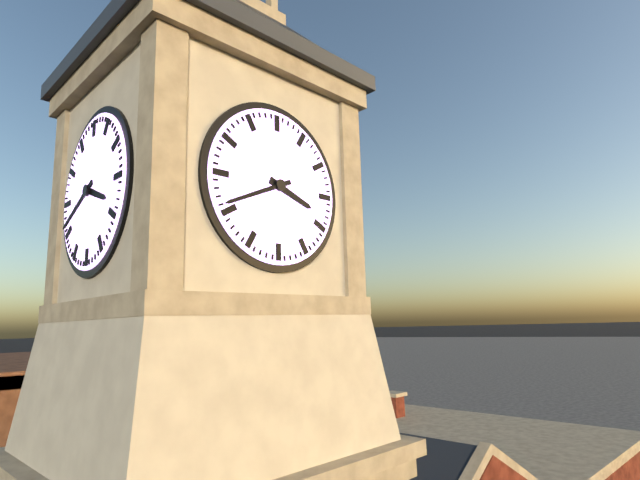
3.41
